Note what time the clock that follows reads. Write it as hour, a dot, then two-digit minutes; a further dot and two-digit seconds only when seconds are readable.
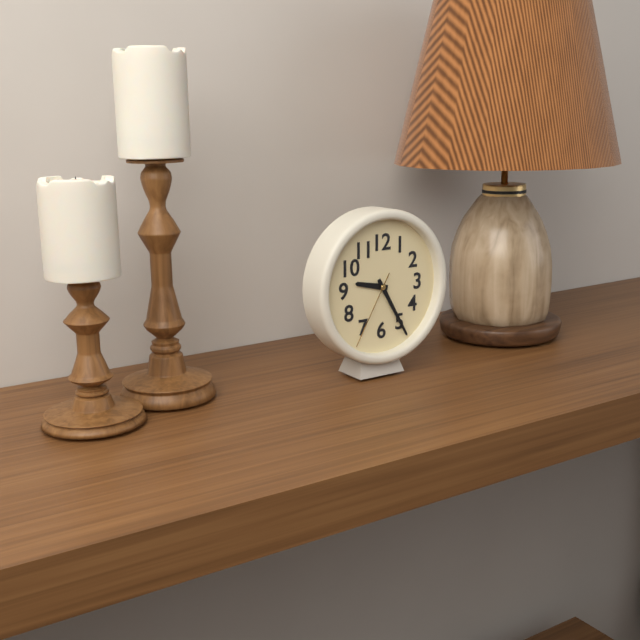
9.25.35
